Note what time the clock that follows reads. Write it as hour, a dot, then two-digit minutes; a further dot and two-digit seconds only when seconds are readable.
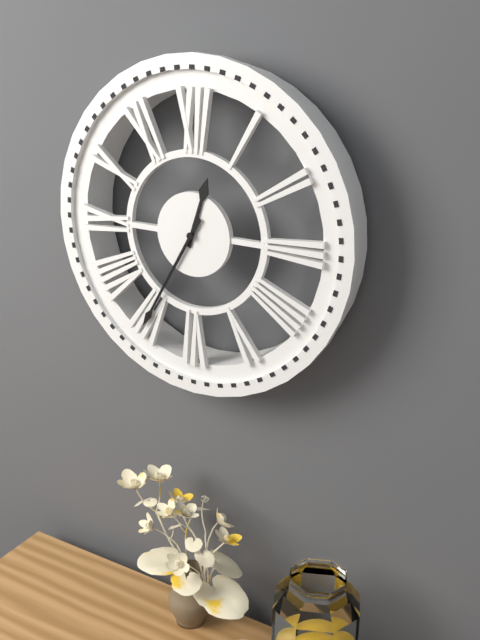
12.35
